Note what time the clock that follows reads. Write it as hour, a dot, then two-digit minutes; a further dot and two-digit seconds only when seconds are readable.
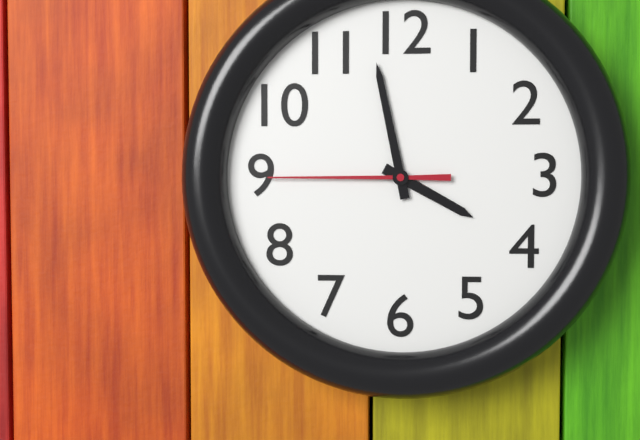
3.58.45
